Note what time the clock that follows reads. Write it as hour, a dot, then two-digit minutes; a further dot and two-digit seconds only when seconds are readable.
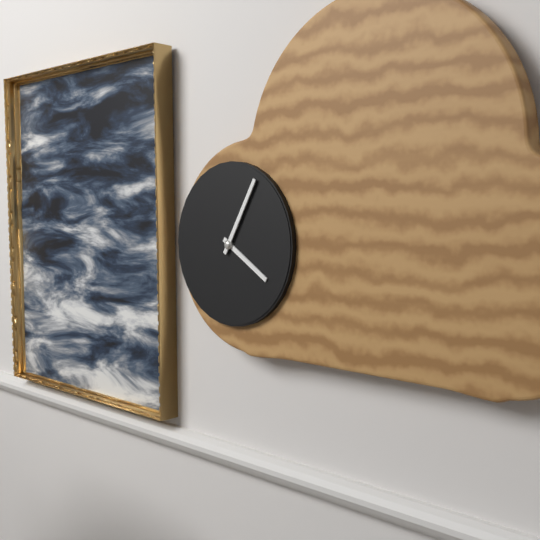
4.05
